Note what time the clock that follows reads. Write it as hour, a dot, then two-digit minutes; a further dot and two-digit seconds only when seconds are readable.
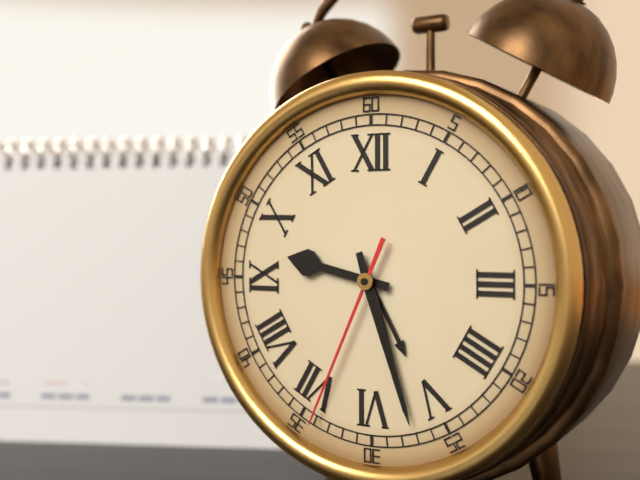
9.27.34
